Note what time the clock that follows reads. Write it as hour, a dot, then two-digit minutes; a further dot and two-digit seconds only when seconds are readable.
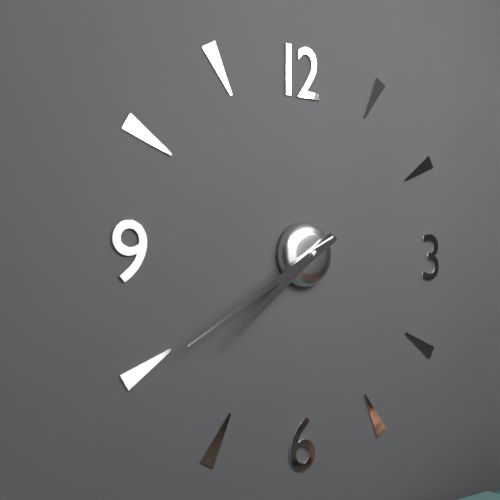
7.40
